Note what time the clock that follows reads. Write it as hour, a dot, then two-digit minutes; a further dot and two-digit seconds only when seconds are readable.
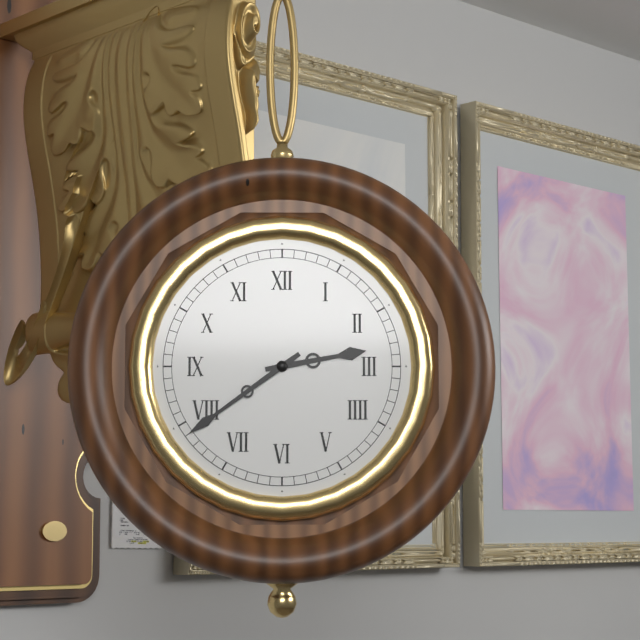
2.39
